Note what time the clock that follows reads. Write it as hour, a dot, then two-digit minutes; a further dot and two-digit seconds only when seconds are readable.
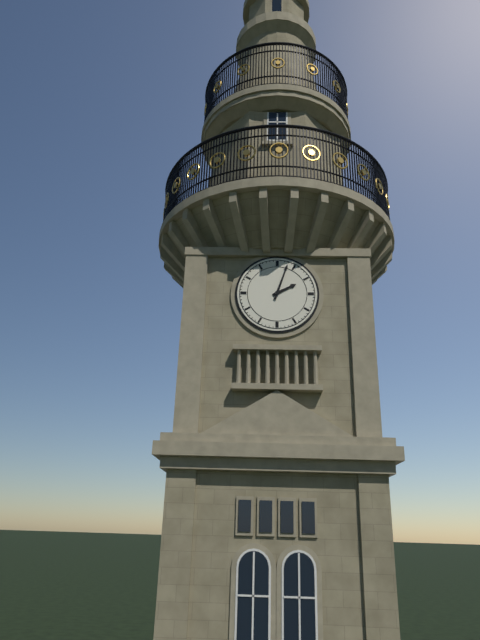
2.03
